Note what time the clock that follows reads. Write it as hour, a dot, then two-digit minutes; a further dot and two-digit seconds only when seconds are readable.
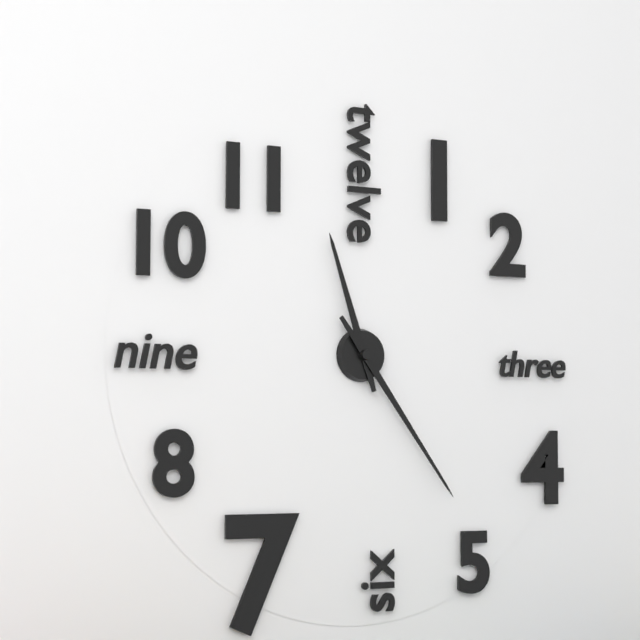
11.24
